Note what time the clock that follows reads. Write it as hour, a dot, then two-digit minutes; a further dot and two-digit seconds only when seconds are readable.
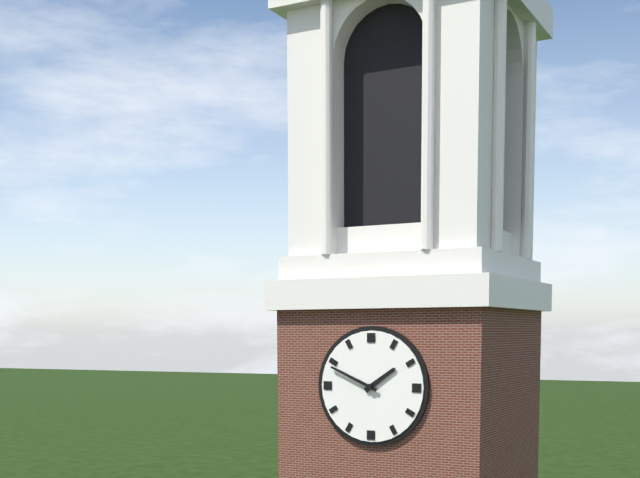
1.49
